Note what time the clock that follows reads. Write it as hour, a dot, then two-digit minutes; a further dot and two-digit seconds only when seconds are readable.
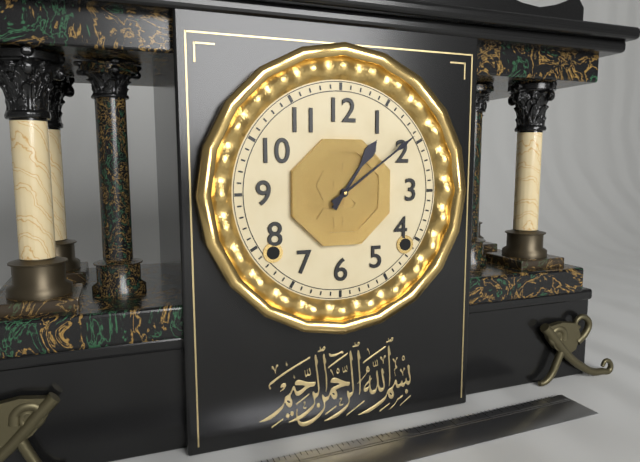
1.09
